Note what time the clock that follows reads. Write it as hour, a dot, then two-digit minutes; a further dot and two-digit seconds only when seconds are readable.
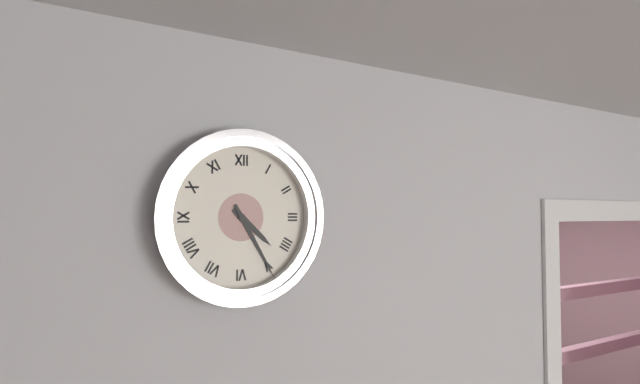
4.25
